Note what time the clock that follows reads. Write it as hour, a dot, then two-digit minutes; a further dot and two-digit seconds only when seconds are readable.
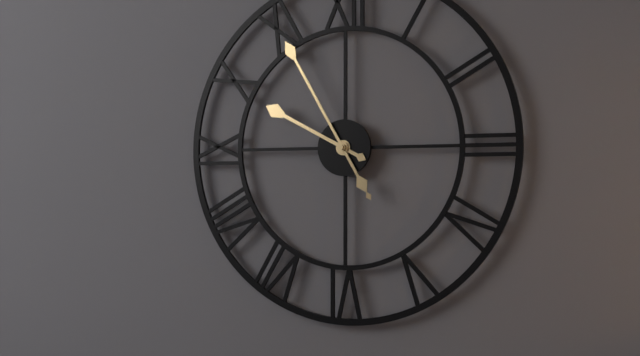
9.55
